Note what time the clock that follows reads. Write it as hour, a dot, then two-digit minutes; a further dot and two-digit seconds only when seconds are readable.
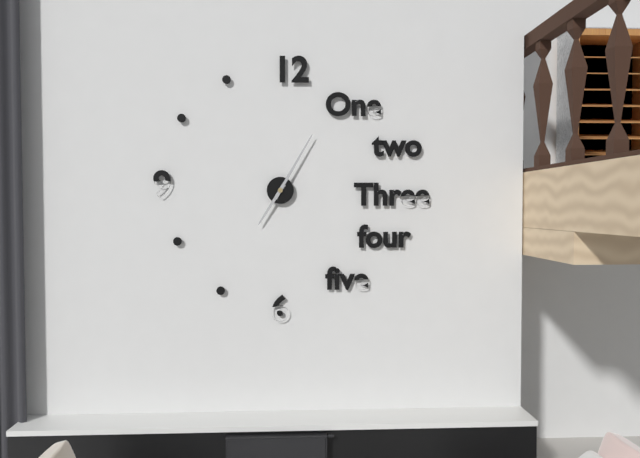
7.05
